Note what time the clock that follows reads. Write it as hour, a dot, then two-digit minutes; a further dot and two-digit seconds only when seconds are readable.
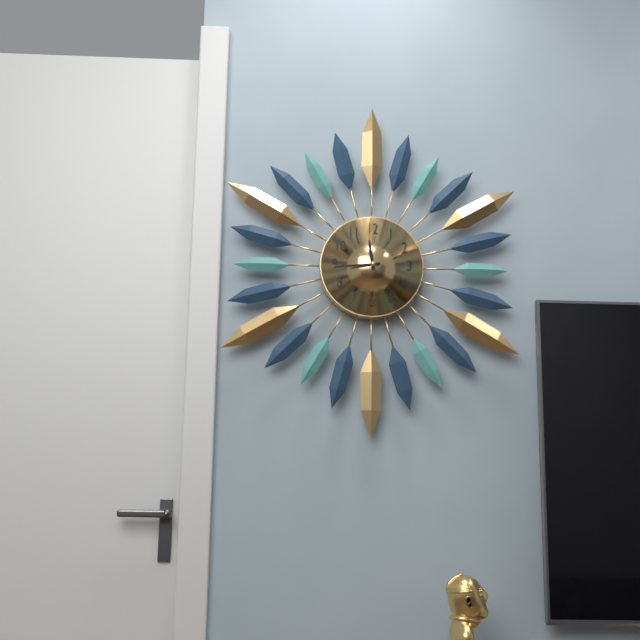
11.44
